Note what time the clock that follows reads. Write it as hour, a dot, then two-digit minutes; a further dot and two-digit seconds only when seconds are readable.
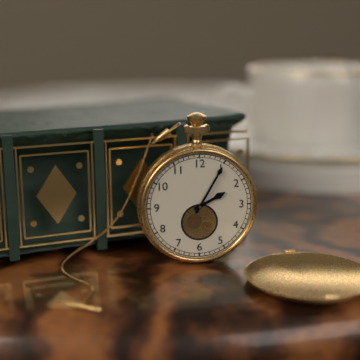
2.05
